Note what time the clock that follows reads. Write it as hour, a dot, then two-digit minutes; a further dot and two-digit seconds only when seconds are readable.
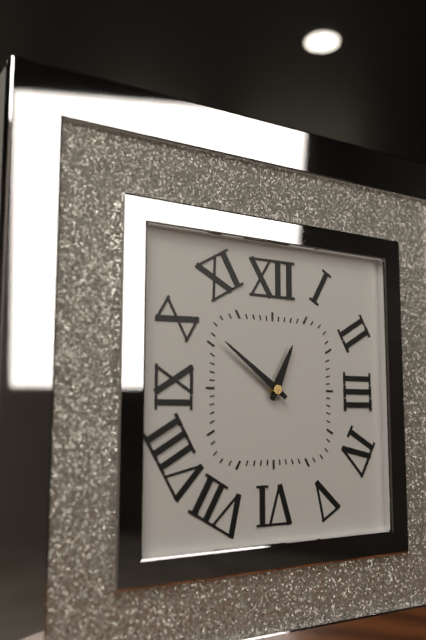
12.51
